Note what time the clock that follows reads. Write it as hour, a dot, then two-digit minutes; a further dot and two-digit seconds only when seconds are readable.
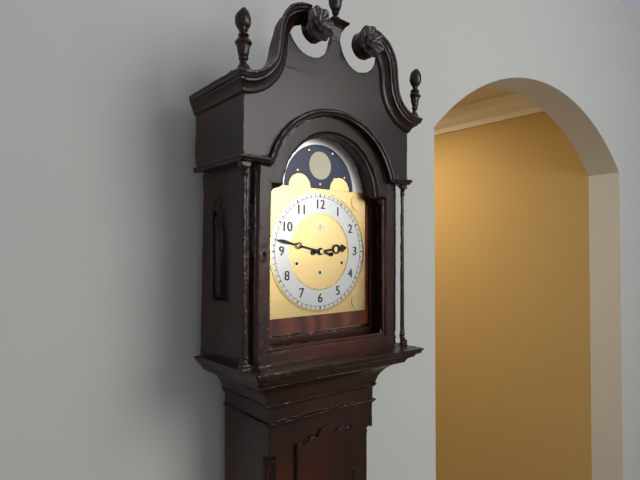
2.47
